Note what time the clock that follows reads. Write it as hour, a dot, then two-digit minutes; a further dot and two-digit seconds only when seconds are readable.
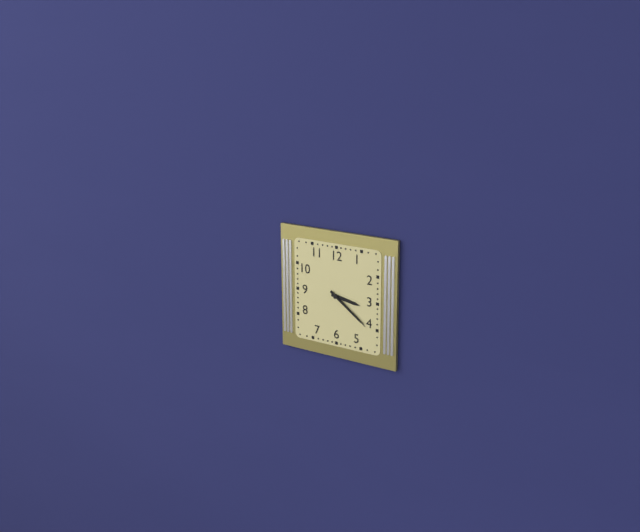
3.21
